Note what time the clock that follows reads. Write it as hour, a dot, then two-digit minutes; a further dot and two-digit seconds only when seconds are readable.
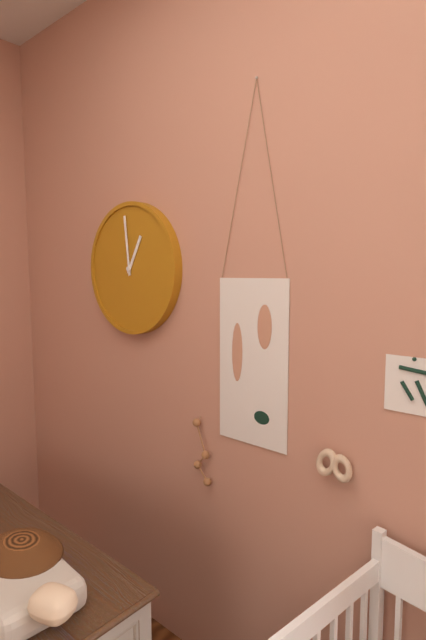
12.59
